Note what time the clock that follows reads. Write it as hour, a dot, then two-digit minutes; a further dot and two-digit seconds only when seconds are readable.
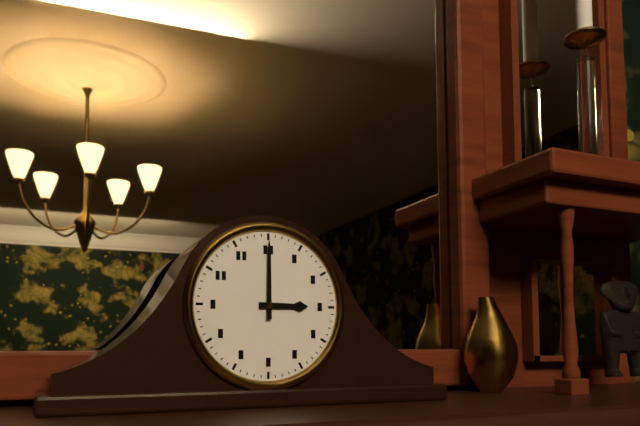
3.00
